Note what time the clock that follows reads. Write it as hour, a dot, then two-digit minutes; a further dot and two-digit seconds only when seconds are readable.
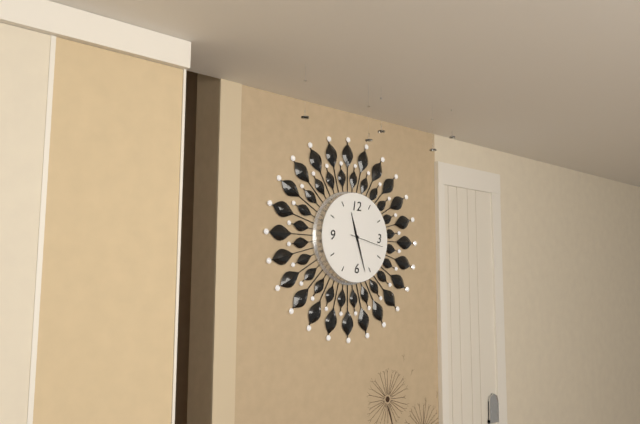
11.27
